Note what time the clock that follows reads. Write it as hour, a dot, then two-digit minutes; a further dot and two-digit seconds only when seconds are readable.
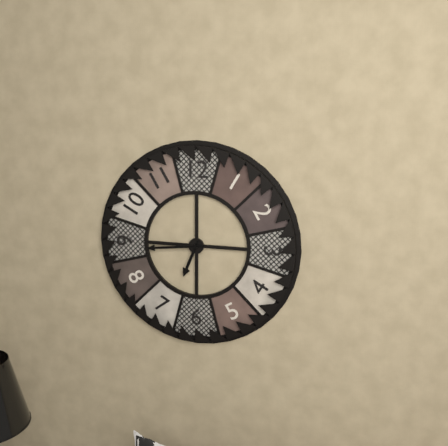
6.44
